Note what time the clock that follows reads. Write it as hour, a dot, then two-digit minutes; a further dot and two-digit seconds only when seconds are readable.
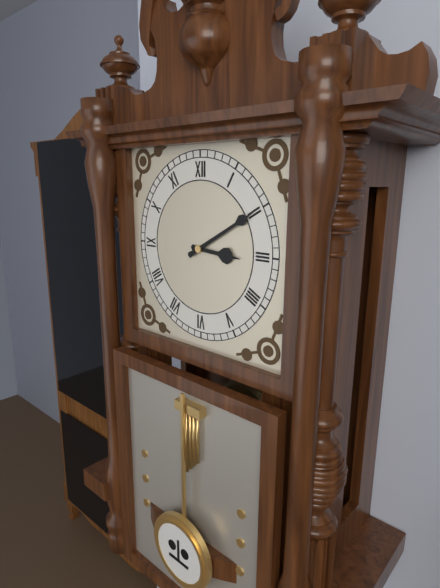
3.10
